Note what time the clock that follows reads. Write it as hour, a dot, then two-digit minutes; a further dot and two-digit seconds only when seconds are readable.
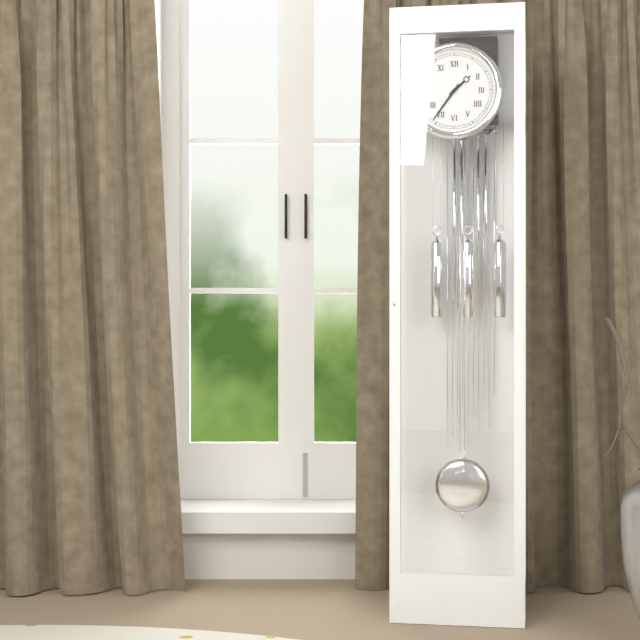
1.36
